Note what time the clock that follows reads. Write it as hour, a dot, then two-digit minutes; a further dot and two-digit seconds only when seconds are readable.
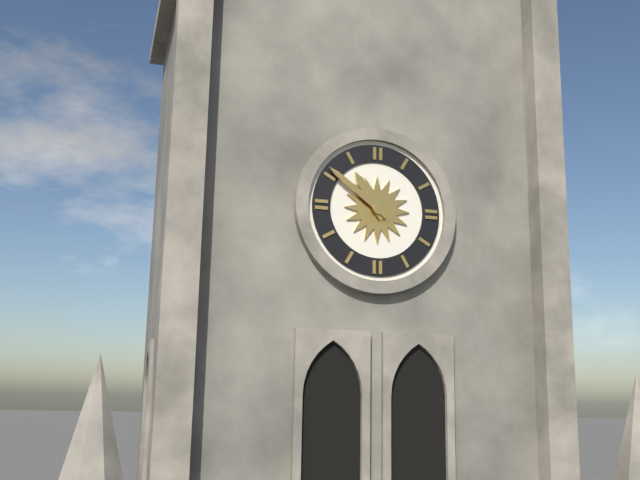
10.51
